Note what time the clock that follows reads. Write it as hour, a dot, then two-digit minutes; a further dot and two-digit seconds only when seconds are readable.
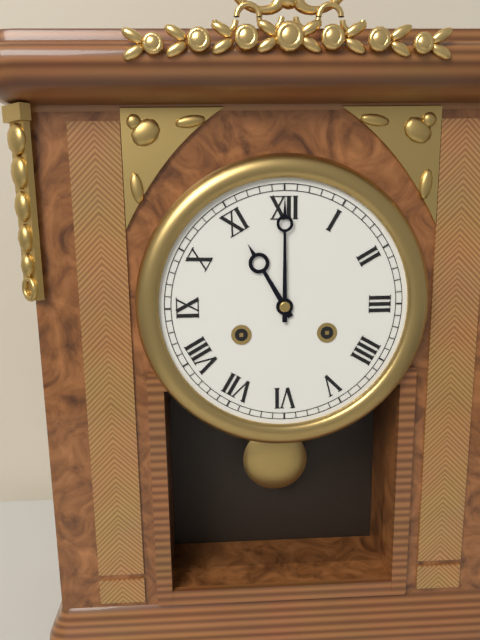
11.00
